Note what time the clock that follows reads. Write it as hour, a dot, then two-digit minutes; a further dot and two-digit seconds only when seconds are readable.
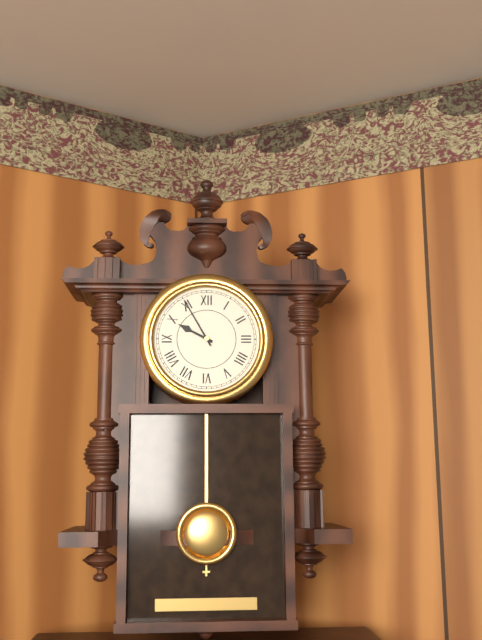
9.55
